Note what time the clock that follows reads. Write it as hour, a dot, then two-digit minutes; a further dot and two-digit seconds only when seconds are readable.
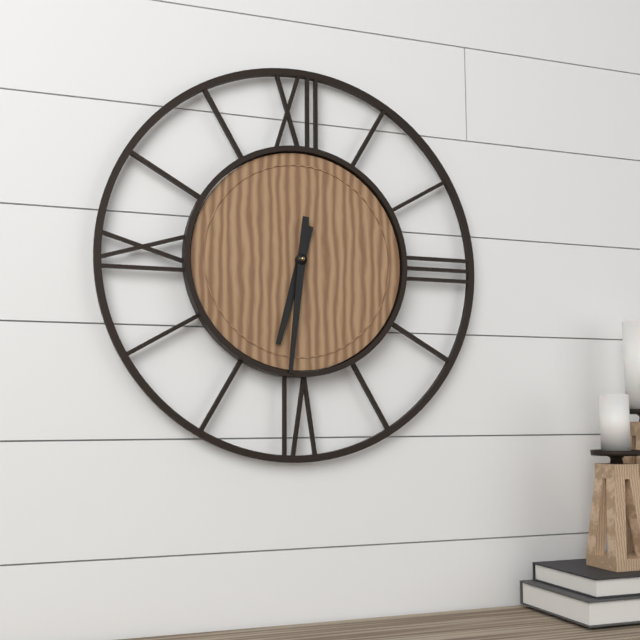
6.31
